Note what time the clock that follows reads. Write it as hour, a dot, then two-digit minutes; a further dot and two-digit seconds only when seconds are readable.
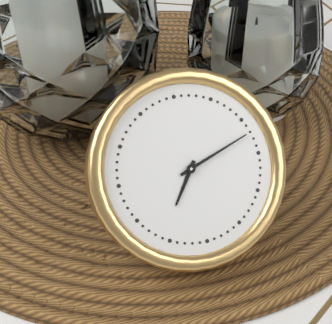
7.12
